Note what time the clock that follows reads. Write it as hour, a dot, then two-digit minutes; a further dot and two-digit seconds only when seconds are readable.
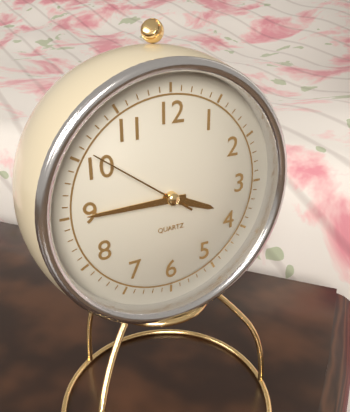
3.45.51
